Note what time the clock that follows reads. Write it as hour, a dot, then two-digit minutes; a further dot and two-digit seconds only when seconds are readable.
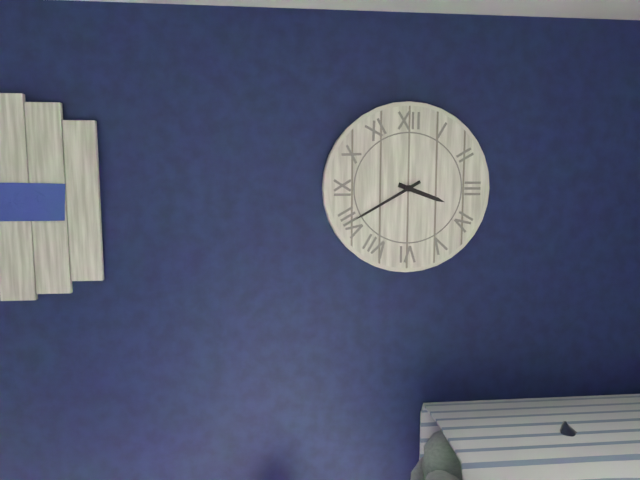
3.40
